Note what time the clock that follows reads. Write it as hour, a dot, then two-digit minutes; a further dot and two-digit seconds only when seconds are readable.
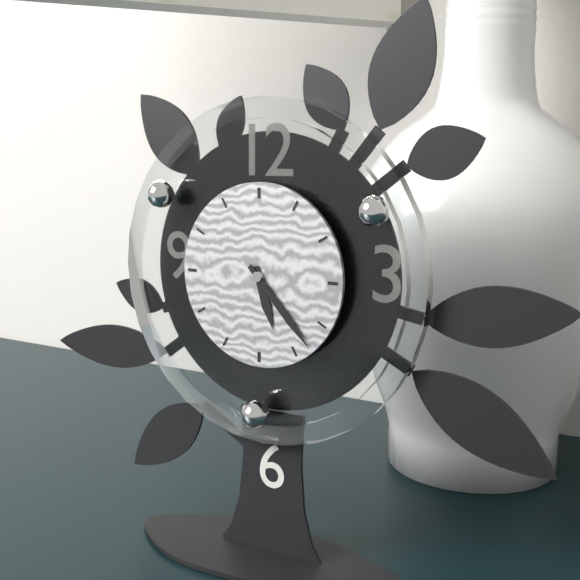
5.23
